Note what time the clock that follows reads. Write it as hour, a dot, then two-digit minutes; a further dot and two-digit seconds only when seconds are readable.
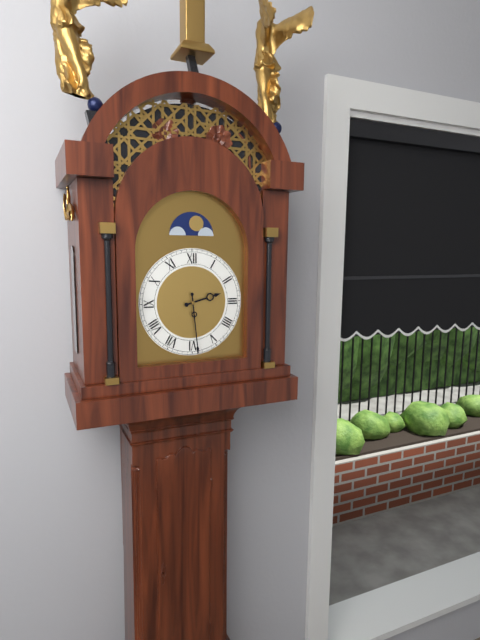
2.29
